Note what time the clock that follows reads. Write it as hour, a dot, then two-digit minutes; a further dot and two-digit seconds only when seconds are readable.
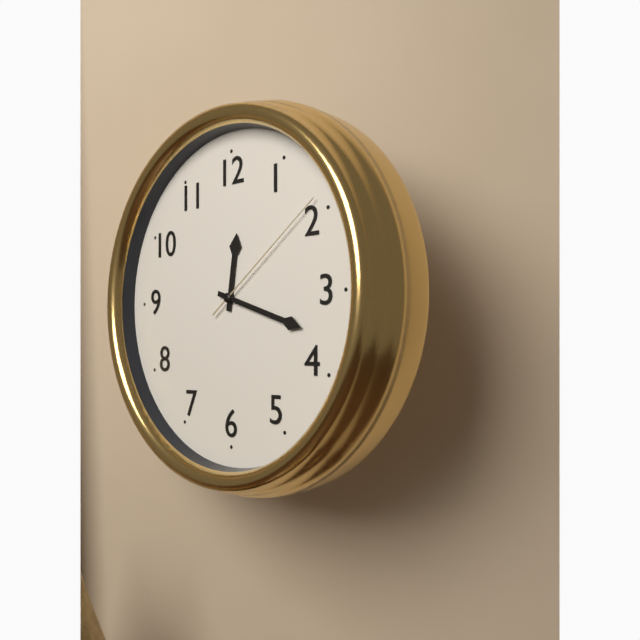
12.18.09
